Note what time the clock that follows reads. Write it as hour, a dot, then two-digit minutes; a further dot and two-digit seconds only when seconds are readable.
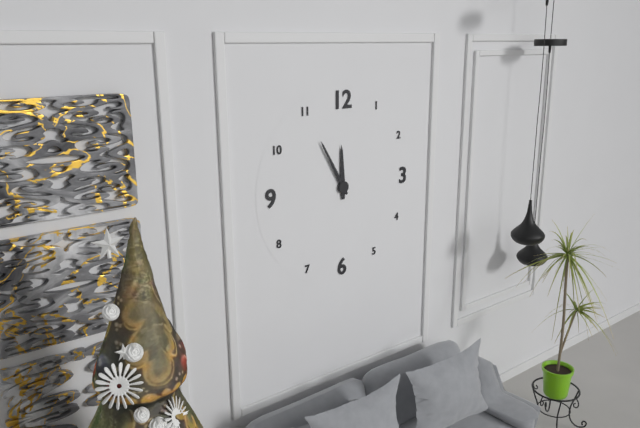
11.55
